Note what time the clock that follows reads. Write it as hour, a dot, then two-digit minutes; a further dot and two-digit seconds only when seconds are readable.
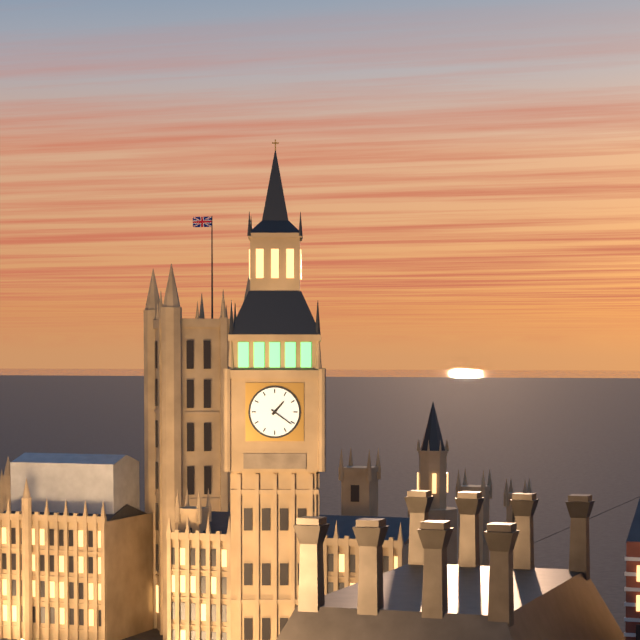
1.21
